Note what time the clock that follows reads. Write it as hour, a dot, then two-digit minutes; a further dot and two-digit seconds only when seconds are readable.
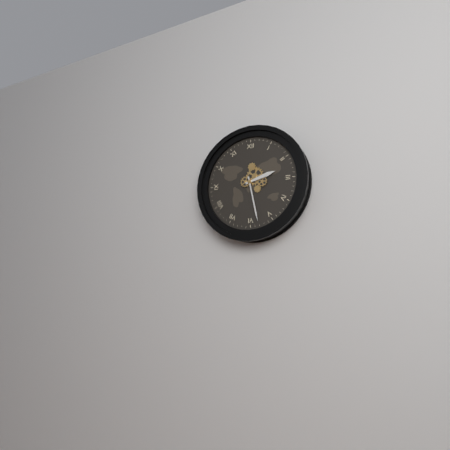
2.28
